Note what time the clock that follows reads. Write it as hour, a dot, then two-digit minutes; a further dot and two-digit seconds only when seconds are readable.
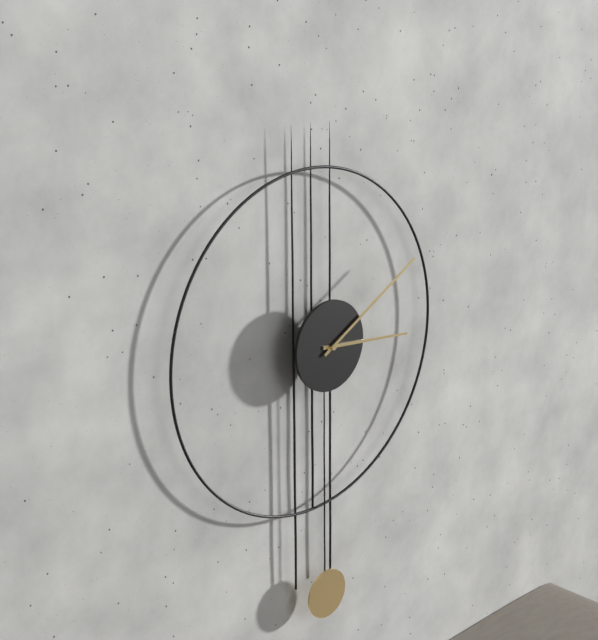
3.10
